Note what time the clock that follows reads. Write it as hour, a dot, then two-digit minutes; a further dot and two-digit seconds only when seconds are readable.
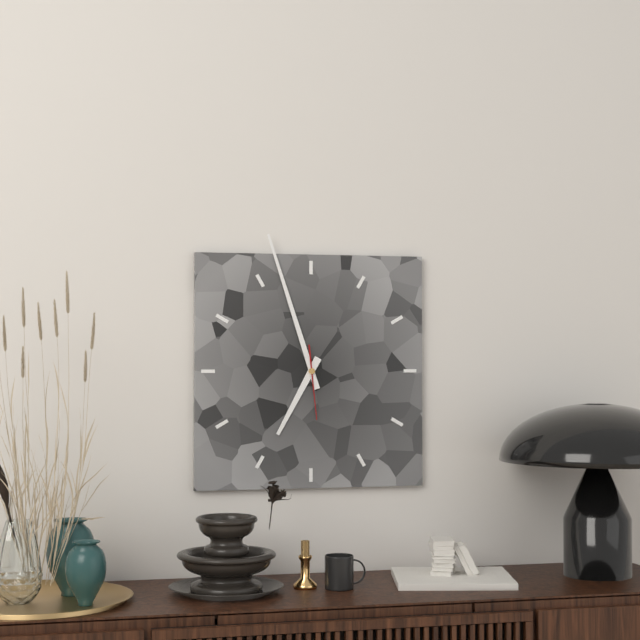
6.57.29
